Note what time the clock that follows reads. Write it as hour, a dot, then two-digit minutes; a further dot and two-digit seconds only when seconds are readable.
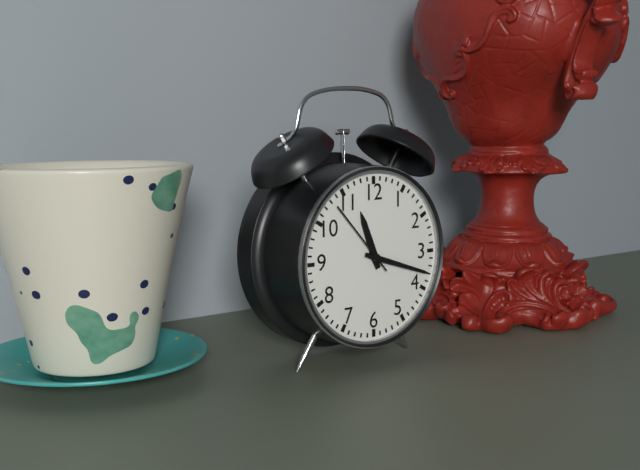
11.18.53
